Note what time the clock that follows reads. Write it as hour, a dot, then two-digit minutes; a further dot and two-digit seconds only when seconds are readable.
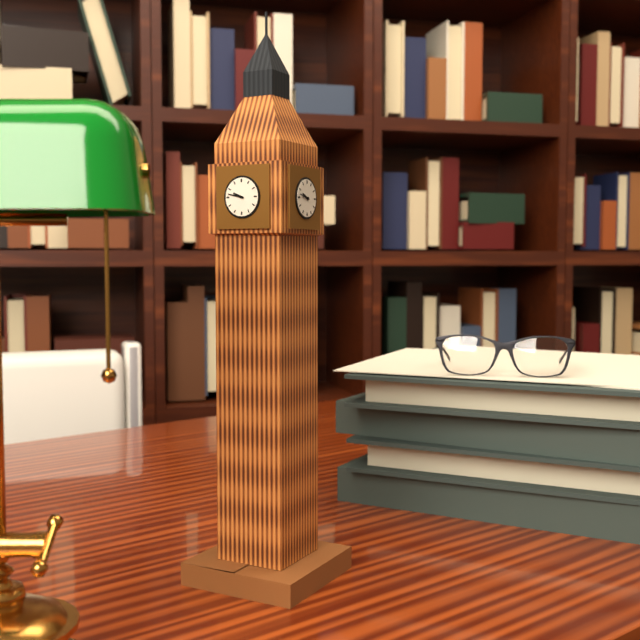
9.47
